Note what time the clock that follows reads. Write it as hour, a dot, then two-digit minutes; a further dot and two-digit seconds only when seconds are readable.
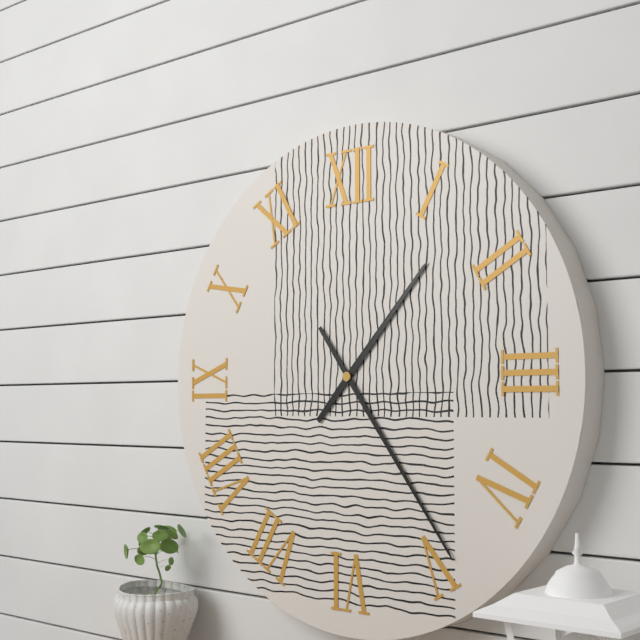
1.24
